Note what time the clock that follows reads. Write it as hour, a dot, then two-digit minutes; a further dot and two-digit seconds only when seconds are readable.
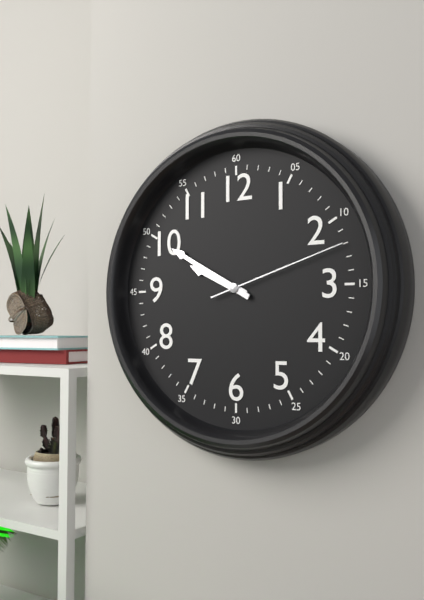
9.50.12
